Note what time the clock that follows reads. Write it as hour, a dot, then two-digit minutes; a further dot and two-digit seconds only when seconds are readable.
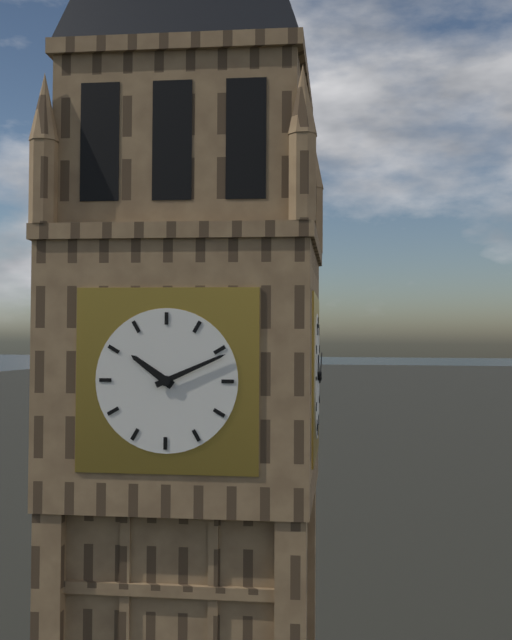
10.11
